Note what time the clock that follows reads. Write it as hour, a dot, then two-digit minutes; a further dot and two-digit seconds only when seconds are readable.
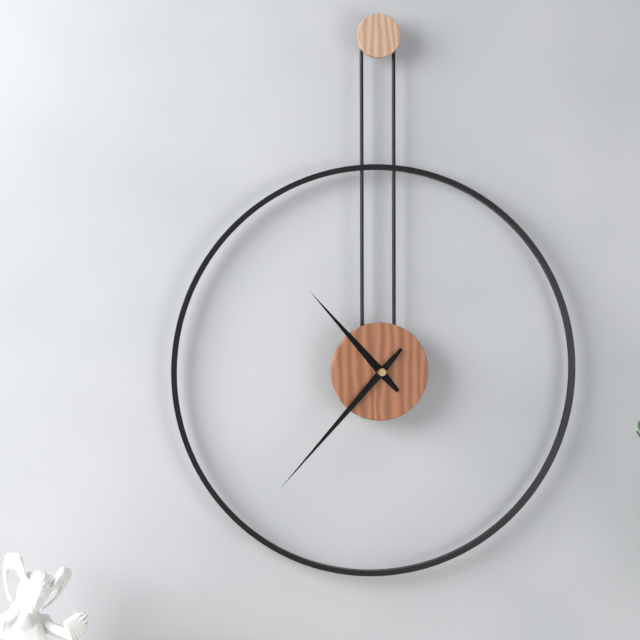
10.37
